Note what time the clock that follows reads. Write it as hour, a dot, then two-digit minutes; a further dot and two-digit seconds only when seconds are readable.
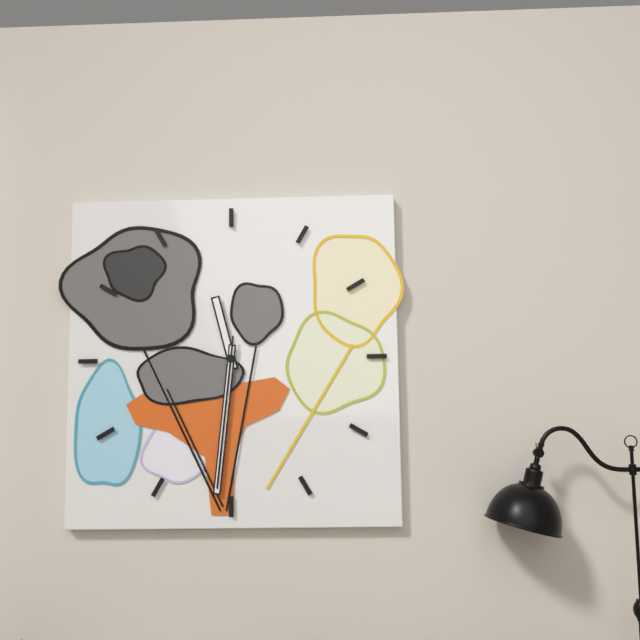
11.31.31
